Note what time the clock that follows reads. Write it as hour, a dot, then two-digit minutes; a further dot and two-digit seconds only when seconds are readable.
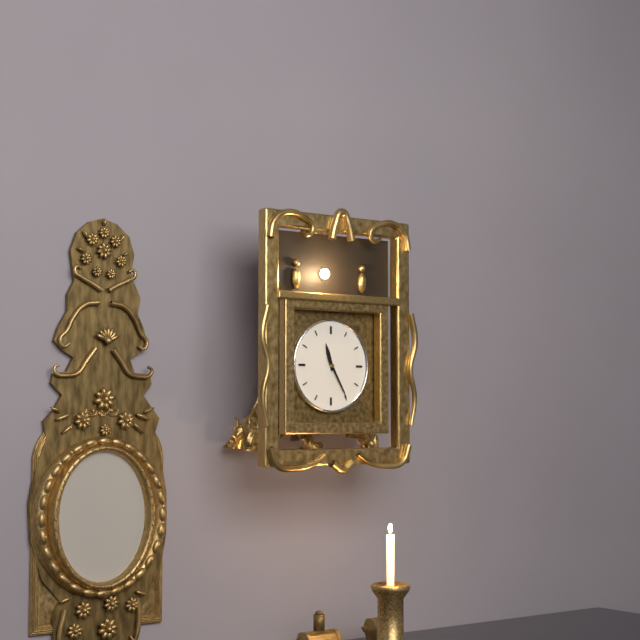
11.25
